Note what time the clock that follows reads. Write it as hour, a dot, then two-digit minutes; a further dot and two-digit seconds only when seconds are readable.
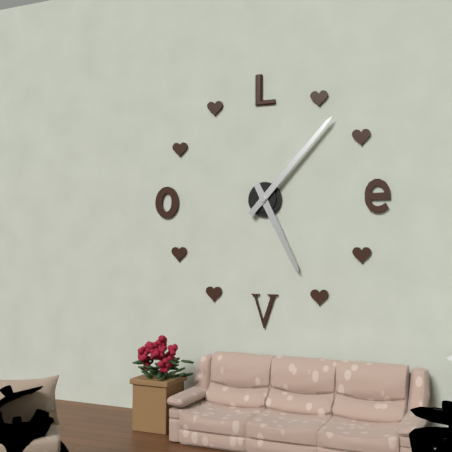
5.07
